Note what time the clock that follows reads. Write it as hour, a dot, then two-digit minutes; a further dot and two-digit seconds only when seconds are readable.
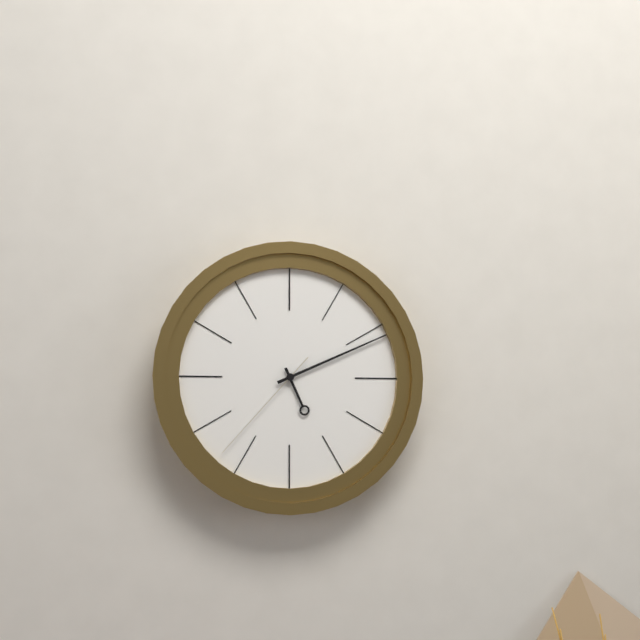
5.11.37
